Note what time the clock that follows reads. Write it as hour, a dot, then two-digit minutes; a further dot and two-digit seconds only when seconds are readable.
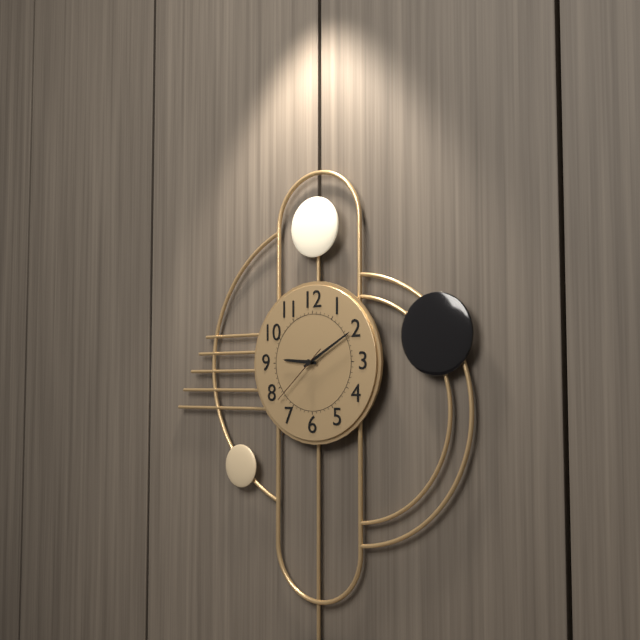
9.10.38
